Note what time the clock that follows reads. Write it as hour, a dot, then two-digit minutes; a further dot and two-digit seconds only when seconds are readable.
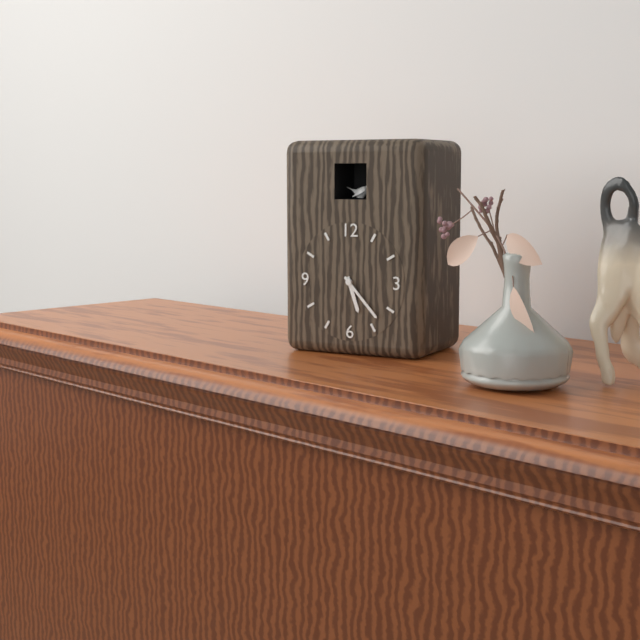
5.23
